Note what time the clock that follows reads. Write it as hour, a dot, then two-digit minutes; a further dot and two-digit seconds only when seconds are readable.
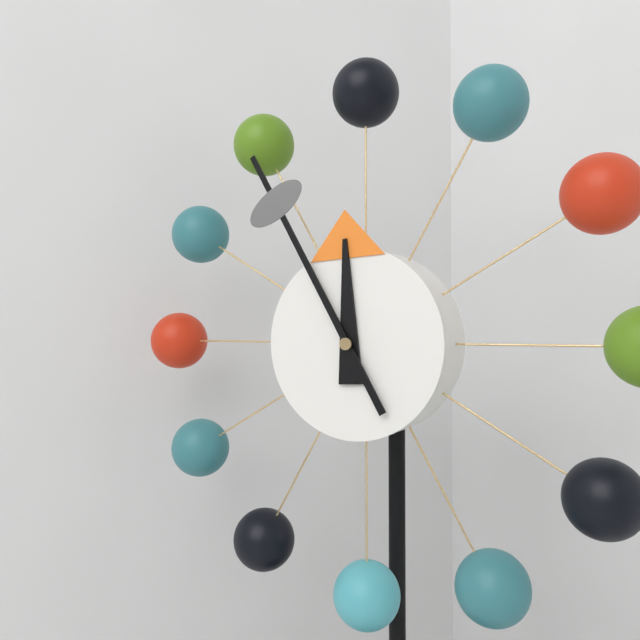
11.55
